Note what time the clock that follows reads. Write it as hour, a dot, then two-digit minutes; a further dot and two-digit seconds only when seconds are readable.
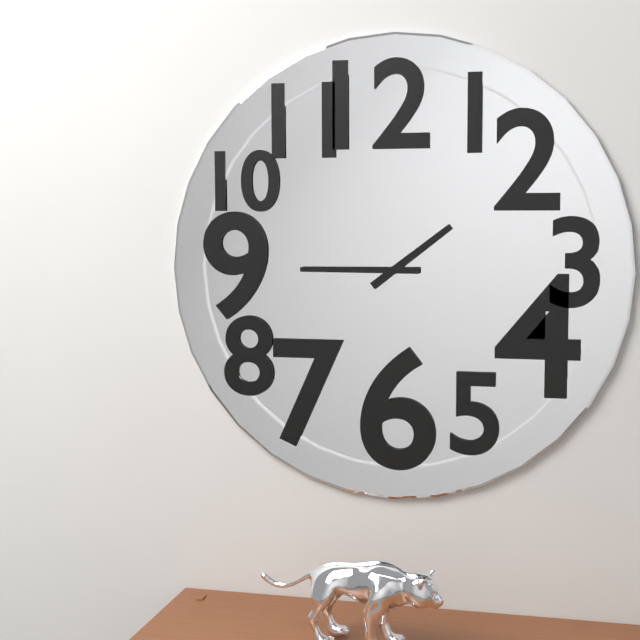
1.45
